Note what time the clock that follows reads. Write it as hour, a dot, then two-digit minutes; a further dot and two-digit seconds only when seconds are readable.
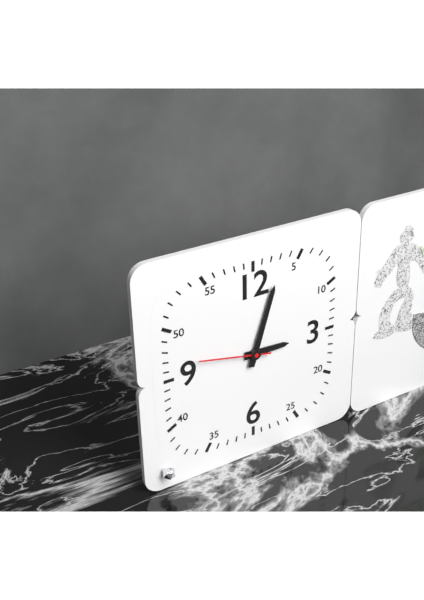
3.03.47
